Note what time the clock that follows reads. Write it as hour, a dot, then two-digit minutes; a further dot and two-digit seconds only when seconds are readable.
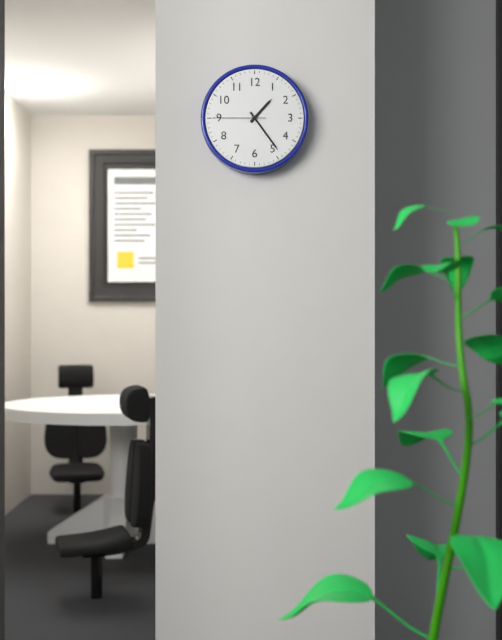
1.24.45
